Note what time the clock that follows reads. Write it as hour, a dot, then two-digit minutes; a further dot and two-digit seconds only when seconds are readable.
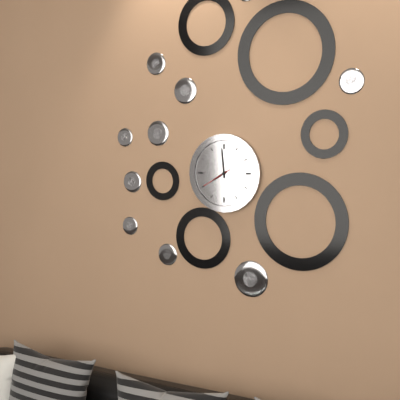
7.59
